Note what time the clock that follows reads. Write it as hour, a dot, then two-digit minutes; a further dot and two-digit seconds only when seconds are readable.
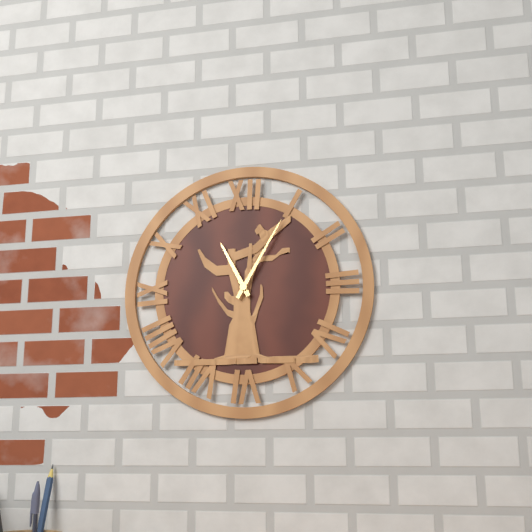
11.05
